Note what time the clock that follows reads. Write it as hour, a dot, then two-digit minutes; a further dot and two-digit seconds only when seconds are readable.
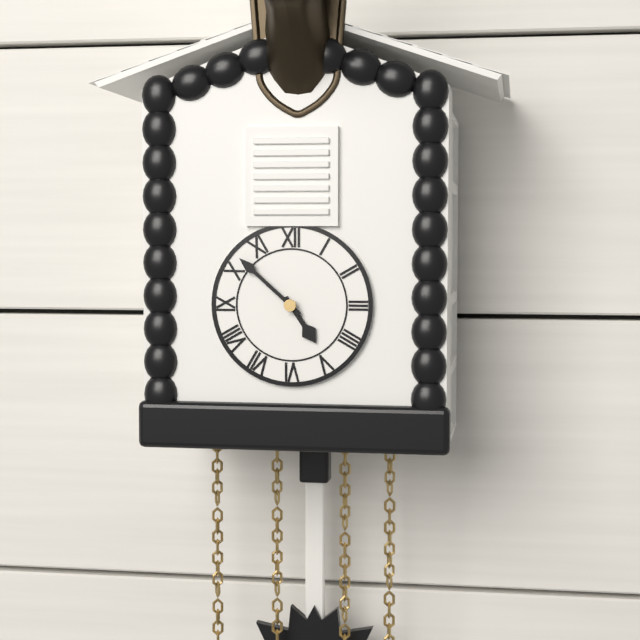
4.52
